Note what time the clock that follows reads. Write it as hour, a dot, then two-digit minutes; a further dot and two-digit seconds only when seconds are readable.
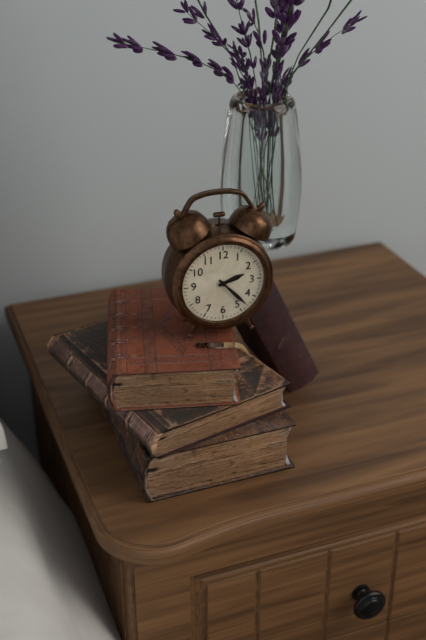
2.23
